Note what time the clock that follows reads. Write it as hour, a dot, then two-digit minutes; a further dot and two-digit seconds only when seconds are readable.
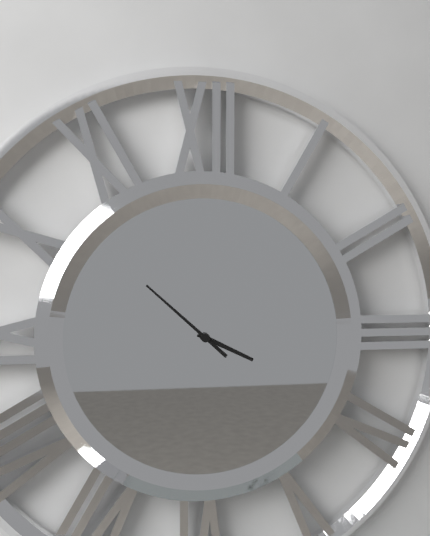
3.52
